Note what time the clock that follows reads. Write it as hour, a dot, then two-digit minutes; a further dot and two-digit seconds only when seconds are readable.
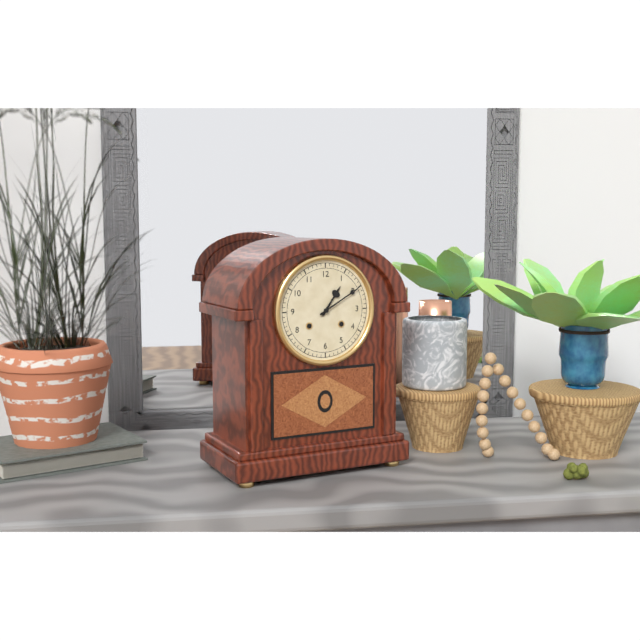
1.10
